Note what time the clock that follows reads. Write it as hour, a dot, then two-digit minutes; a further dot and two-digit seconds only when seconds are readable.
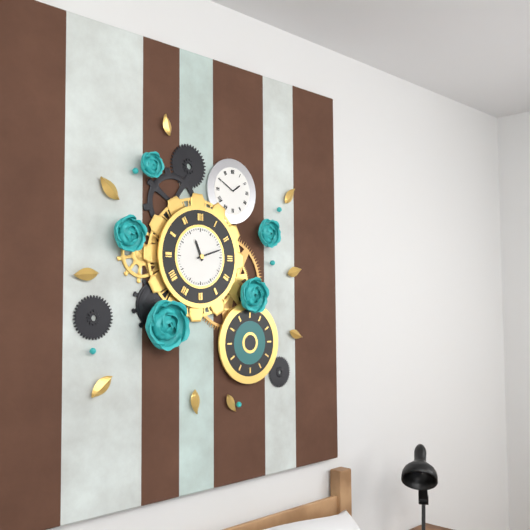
11.12
